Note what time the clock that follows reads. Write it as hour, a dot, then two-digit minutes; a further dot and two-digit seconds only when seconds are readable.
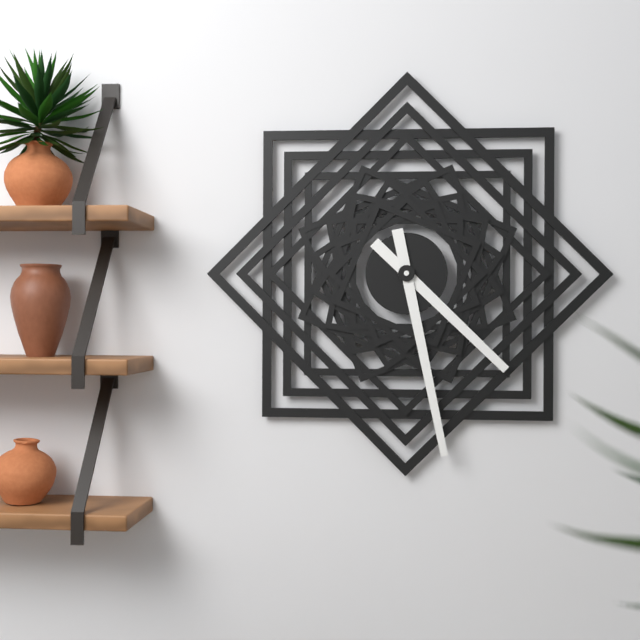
4.28
